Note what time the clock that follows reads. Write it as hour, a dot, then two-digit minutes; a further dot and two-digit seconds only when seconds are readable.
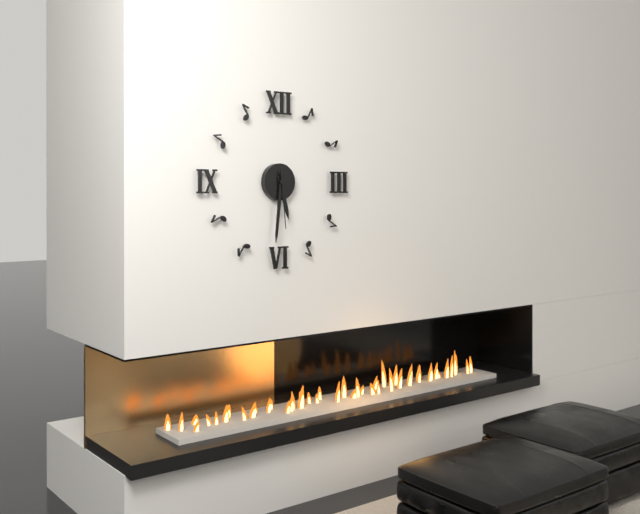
5.31.29
